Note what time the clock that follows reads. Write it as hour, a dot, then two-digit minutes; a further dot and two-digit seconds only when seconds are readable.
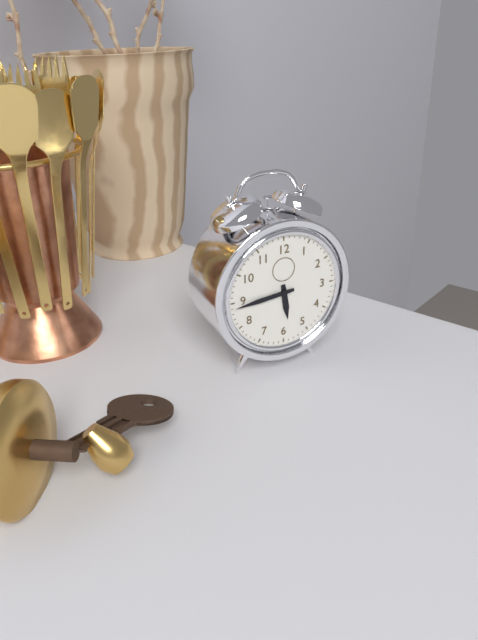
5.44
